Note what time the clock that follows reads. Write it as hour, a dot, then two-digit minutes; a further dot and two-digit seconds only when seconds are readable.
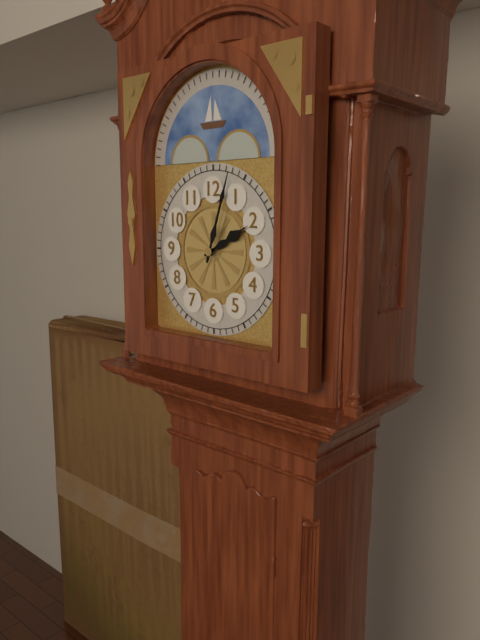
2.03
